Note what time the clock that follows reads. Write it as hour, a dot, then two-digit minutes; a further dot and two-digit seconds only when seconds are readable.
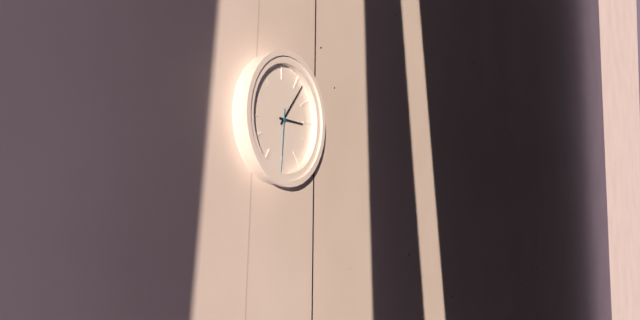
3.07.31
